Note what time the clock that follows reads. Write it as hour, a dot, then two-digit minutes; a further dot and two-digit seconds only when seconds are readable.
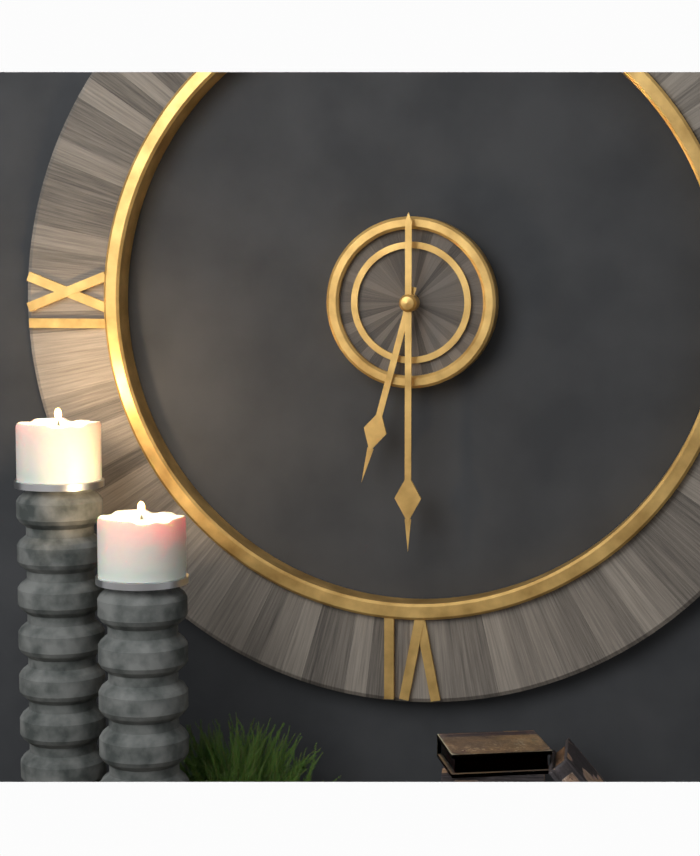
6.30
